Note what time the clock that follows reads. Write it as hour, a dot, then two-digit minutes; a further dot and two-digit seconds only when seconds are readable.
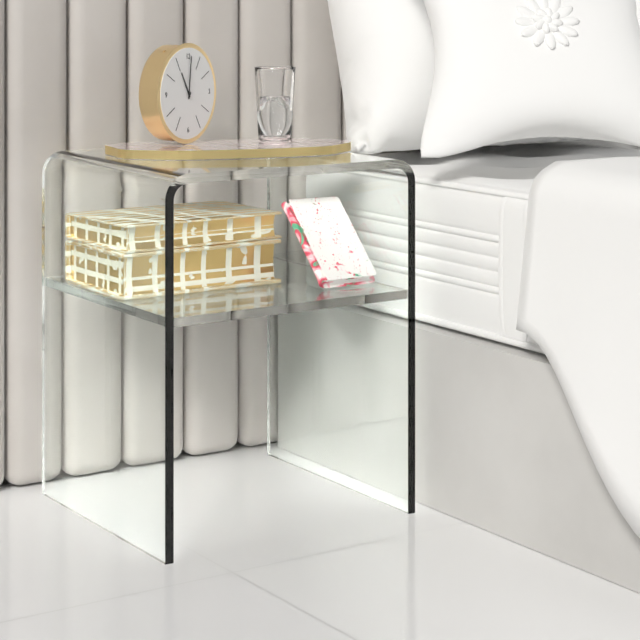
11.01
